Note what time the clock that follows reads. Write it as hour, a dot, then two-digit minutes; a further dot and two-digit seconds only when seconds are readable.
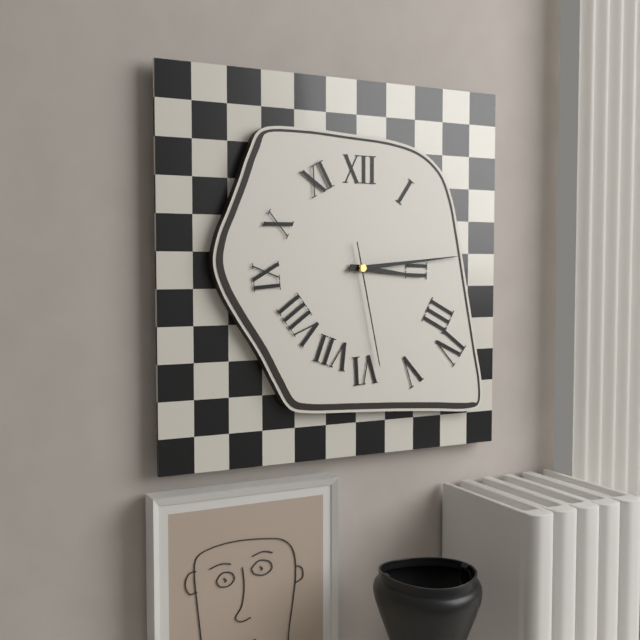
3.14.28
